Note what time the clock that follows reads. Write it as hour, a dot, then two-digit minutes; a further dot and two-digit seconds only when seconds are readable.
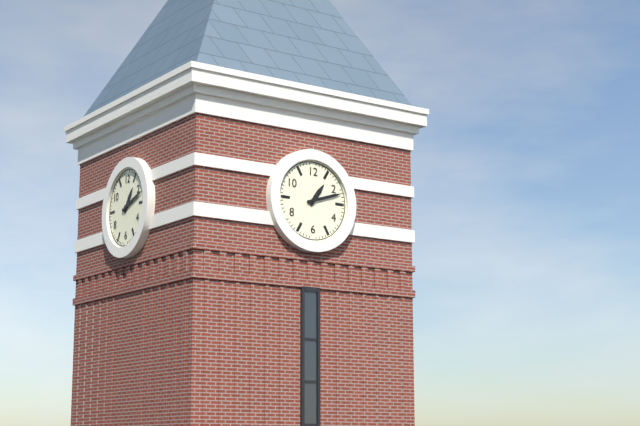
1.12
